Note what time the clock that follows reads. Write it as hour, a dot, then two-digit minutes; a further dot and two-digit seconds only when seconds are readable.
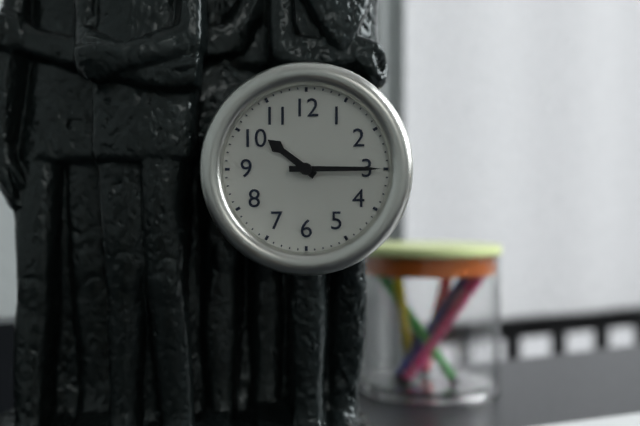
10.15
